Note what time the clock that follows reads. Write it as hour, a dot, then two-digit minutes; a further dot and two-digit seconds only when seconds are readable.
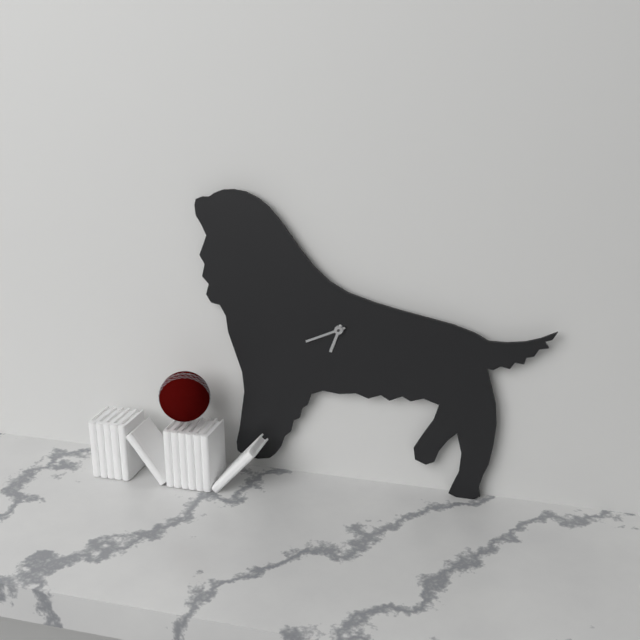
6.41
